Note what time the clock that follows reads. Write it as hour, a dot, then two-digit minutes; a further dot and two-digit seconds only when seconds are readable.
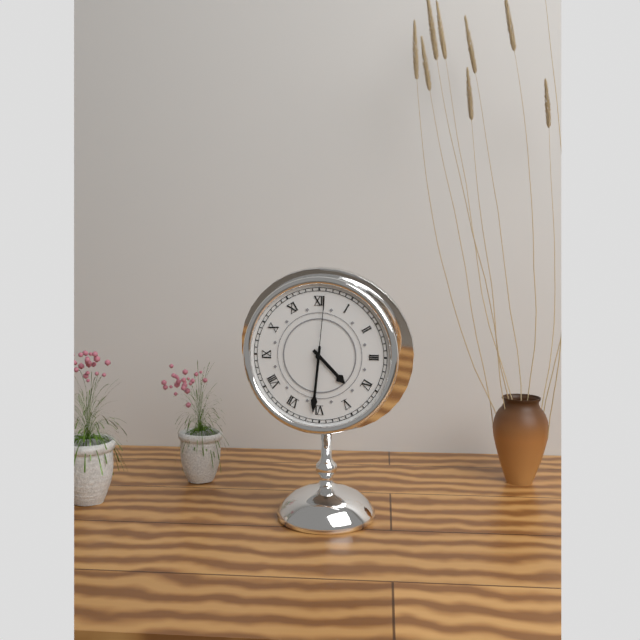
4.31.01
